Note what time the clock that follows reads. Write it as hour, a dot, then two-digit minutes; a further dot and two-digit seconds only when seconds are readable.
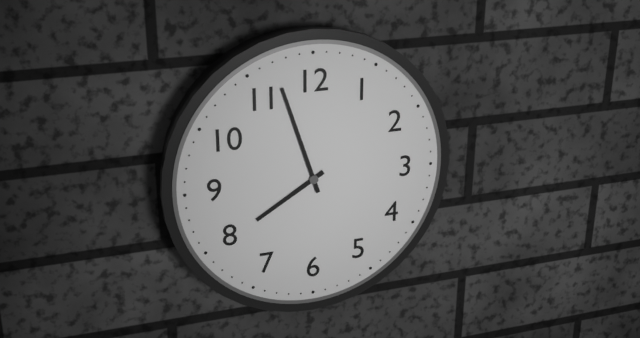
7.57
